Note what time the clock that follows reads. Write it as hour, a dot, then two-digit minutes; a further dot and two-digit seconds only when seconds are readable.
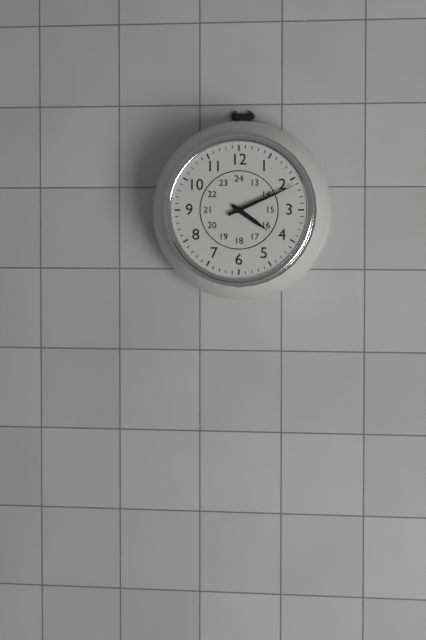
4.11
